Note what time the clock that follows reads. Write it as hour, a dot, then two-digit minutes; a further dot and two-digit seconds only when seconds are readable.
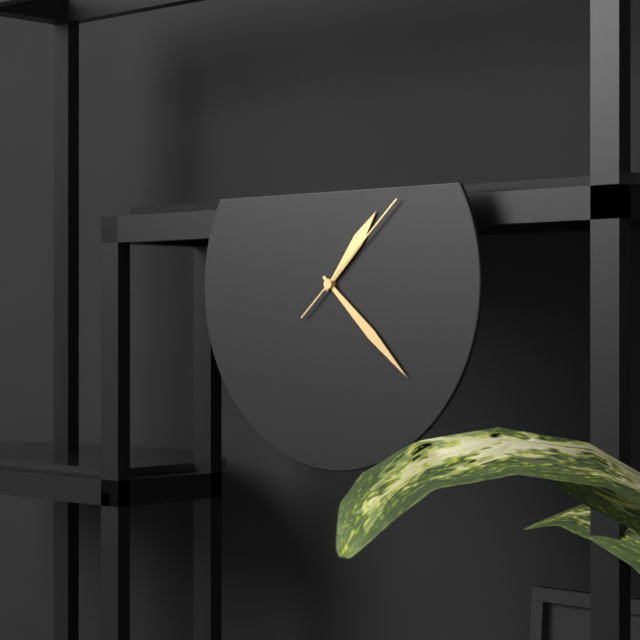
1.22.08
